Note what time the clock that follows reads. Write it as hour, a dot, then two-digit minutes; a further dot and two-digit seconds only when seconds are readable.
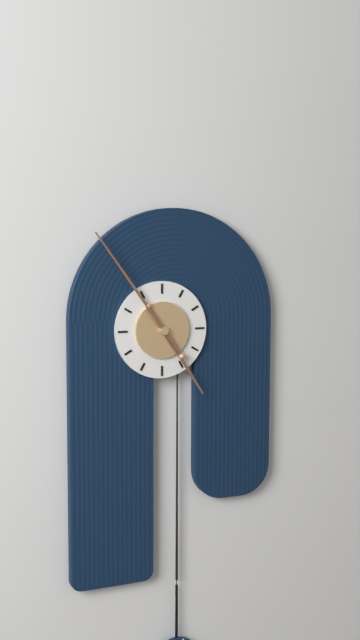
4.54
